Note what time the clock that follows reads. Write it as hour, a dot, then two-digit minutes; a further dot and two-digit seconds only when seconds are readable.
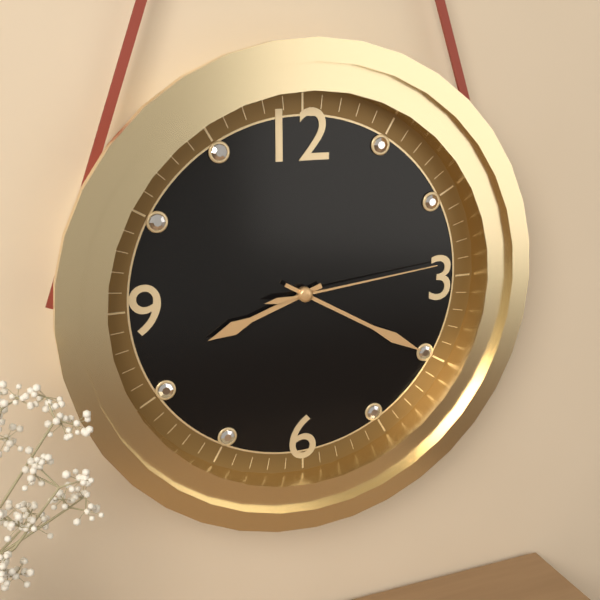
8.20.14
